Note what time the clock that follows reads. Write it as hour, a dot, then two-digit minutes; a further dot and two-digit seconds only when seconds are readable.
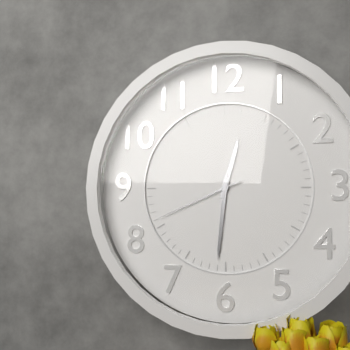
12.31.41
